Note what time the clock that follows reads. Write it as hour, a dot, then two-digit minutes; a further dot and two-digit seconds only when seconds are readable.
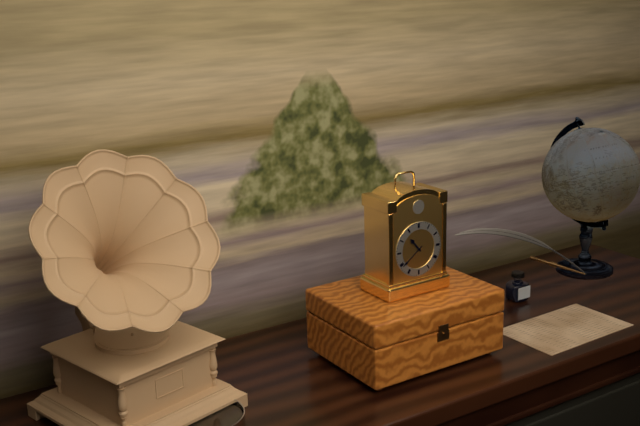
10.39
